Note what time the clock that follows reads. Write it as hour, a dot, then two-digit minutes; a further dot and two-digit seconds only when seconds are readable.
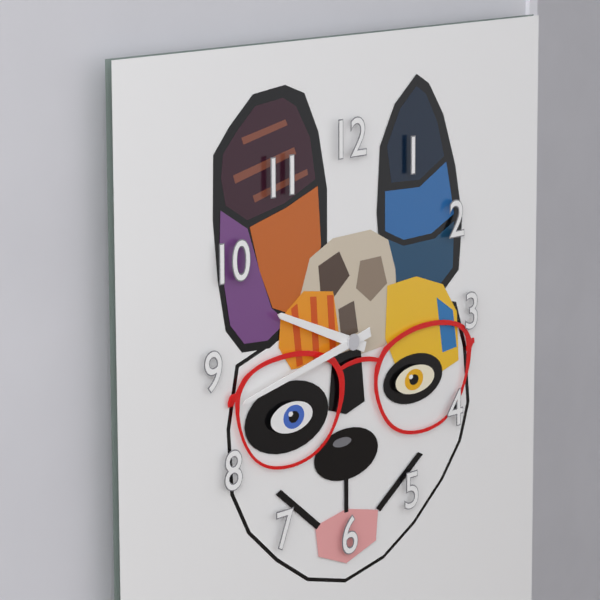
9.43
